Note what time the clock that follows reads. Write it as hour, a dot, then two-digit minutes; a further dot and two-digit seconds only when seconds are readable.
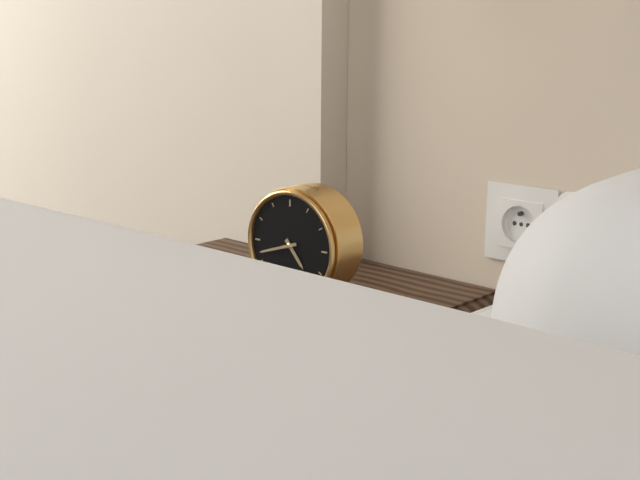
4.42
